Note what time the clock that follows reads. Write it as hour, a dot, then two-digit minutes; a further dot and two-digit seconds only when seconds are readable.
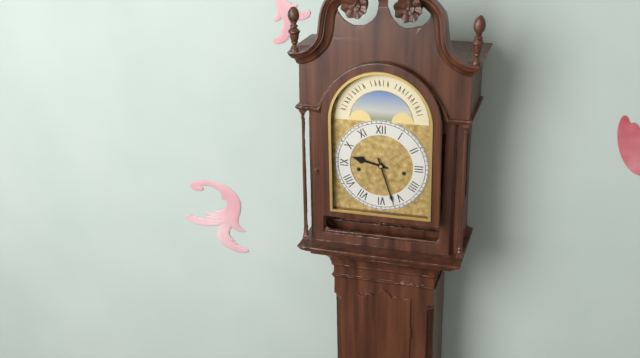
9.27
